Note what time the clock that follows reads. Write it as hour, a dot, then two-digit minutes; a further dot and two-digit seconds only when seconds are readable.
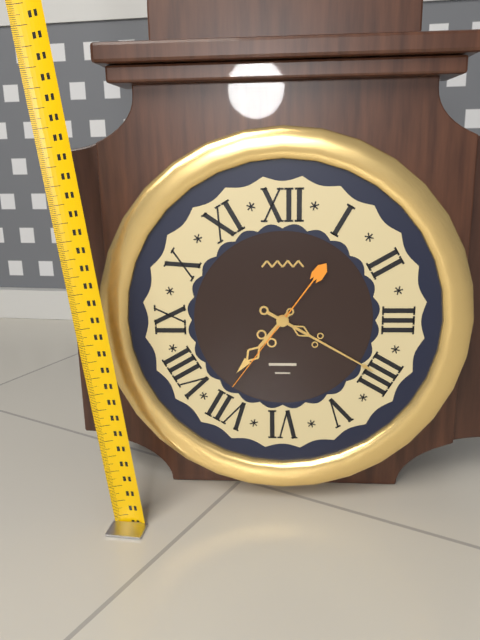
7.20.36
